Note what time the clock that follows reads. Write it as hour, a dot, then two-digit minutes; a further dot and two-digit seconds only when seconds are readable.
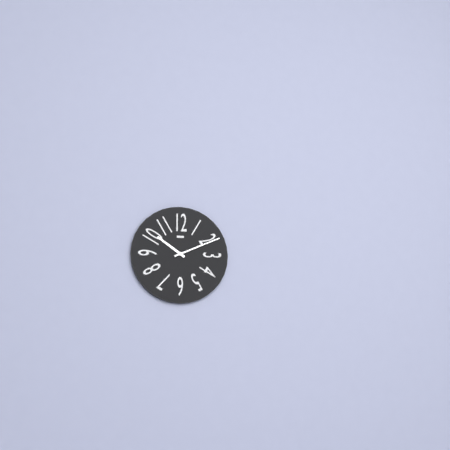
10.11
